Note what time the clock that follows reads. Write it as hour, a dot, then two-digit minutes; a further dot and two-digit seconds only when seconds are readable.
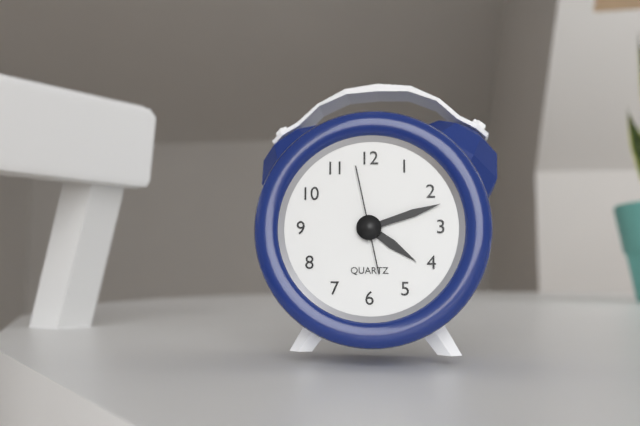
4.12.58
